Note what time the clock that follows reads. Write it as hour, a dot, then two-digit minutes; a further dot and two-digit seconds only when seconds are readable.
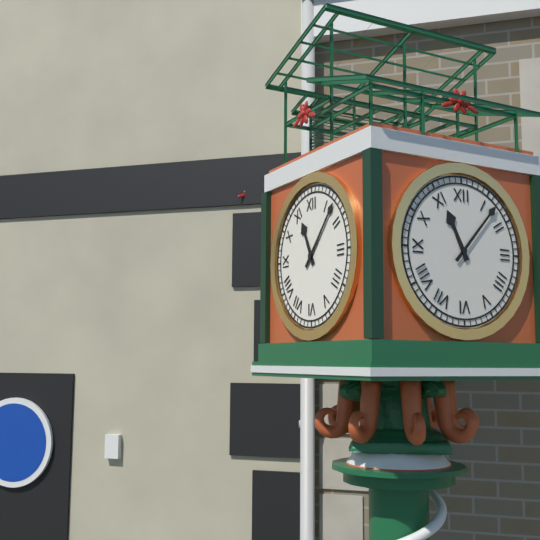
11.07
